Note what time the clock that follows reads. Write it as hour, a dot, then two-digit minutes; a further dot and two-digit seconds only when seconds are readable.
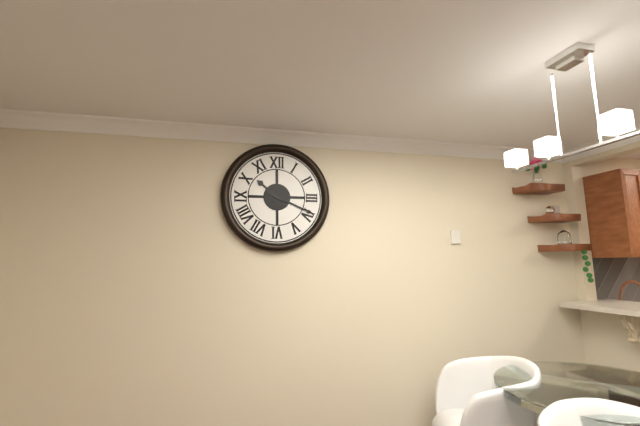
10.19
